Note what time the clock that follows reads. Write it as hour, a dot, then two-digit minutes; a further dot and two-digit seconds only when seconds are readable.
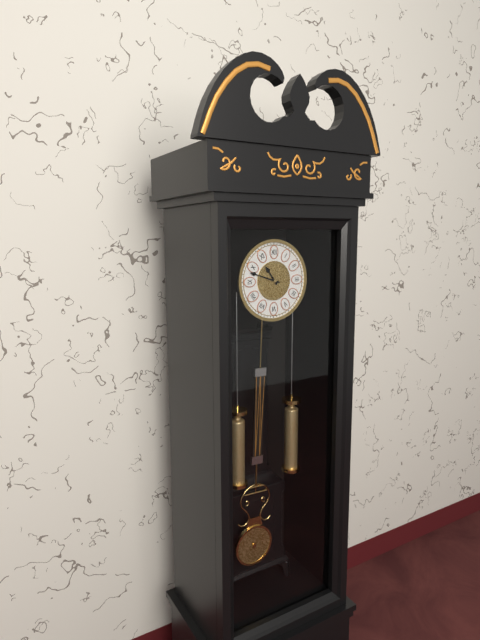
10.48
